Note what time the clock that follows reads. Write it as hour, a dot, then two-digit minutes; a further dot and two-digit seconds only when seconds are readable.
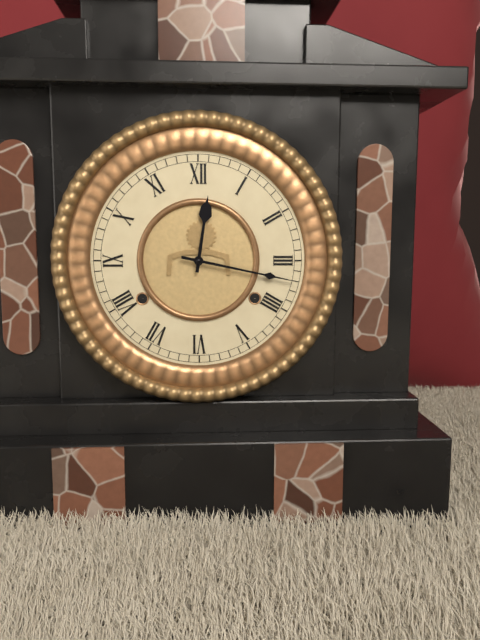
12.17
